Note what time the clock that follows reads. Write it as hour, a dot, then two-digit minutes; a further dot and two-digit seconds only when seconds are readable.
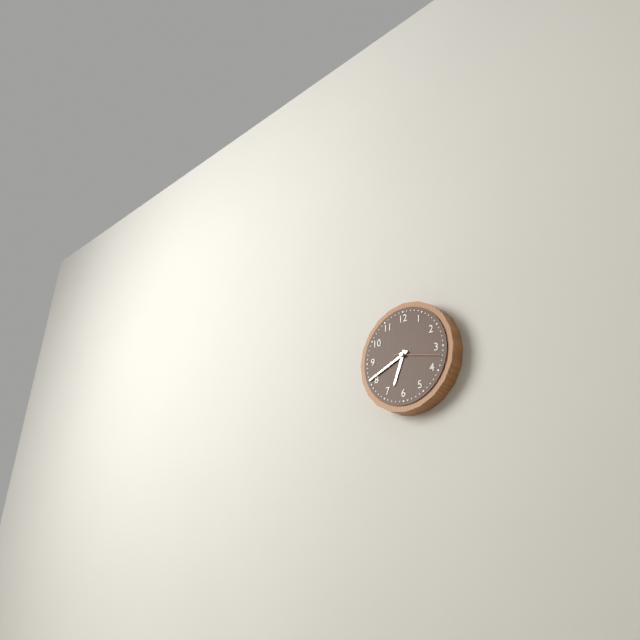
6.41
